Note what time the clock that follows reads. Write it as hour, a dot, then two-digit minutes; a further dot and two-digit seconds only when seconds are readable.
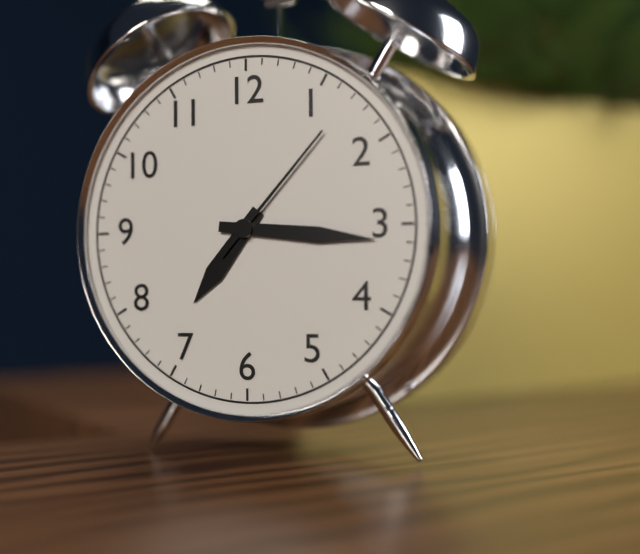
7.16.07
